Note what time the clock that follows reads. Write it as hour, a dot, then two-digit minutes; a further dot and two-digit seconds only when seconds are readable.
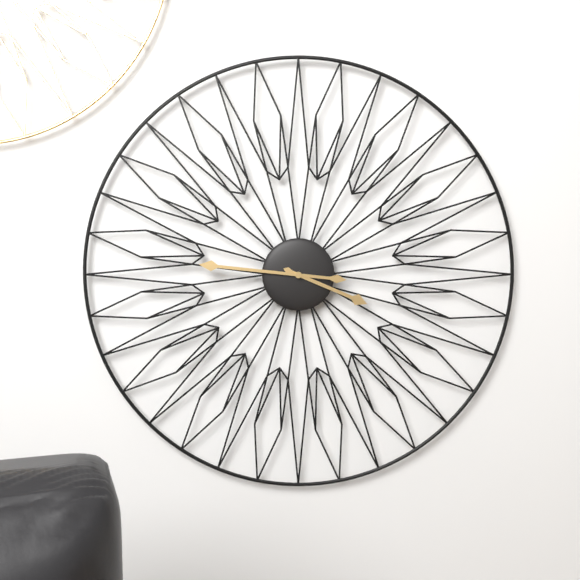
3.46
